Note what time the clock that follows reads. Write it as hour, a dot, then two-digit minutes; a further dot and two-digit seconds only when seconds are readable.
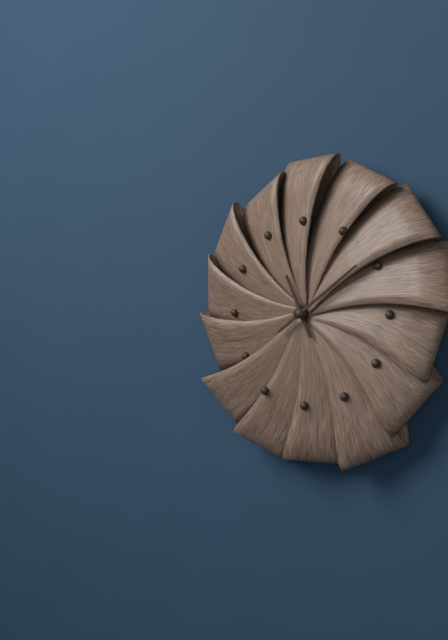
11.09
